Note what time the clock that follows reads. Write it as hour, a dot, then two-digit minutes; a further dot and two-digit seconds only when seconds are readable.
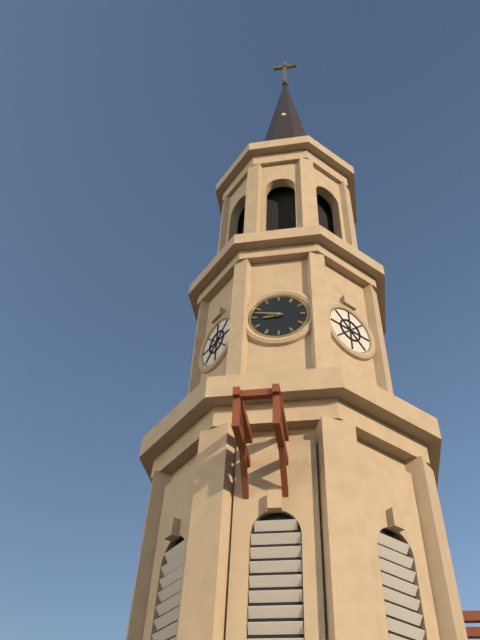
8.47
